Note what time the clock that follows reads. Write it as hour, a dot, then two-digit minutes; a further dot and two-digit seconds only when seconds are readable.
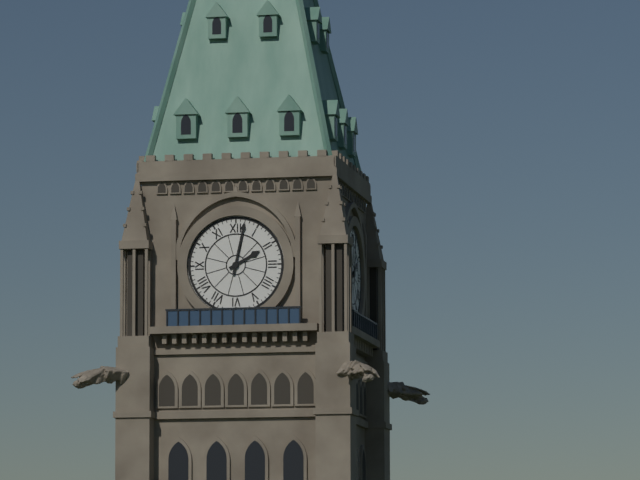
2.02
